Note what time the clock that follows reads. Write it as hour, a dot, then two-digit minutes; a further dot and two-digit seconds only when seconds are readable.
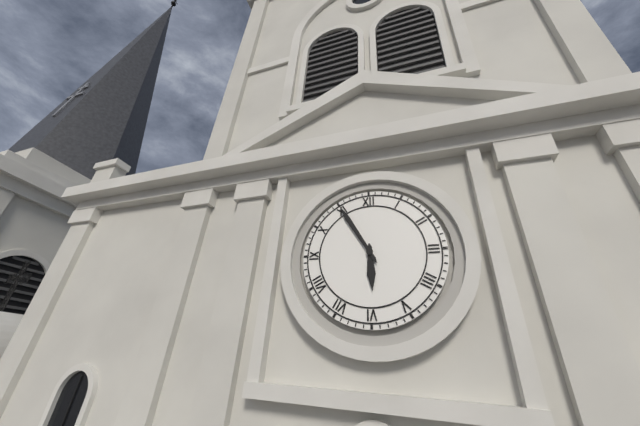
5.55
